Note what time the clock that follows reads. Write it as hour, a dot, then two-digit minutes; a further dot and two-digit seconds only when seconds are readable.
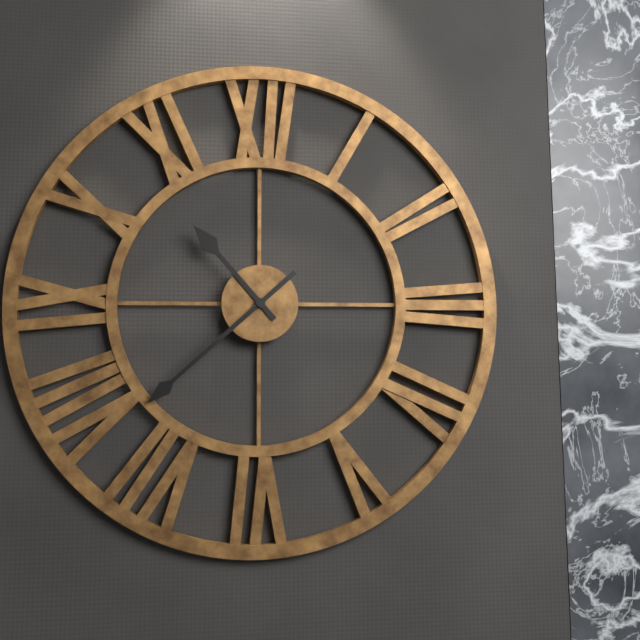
10.38
